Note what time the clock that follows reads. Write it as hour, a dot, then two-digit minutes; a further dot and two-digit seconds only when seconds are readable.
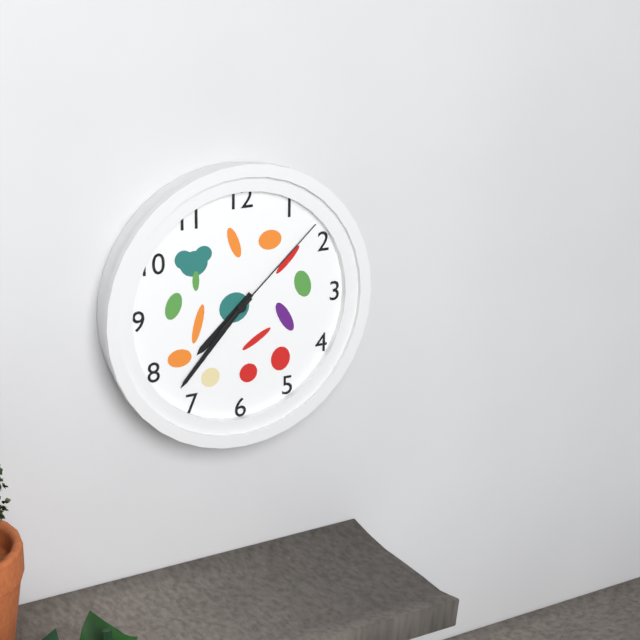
7.37.08
